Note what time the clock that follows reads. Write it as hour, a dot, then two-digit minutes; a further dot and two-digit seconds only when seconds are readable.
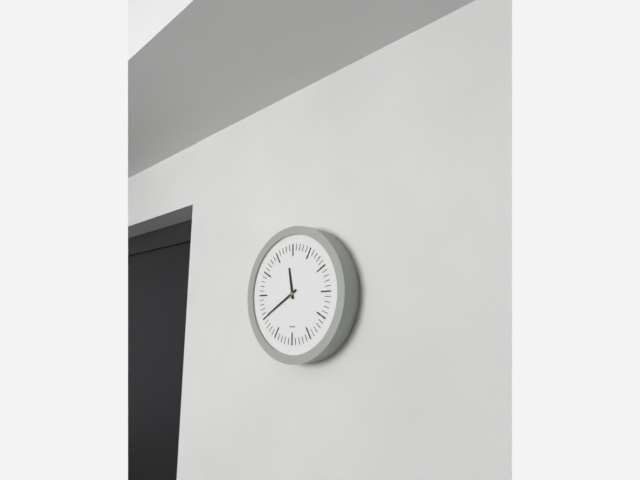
11.40
